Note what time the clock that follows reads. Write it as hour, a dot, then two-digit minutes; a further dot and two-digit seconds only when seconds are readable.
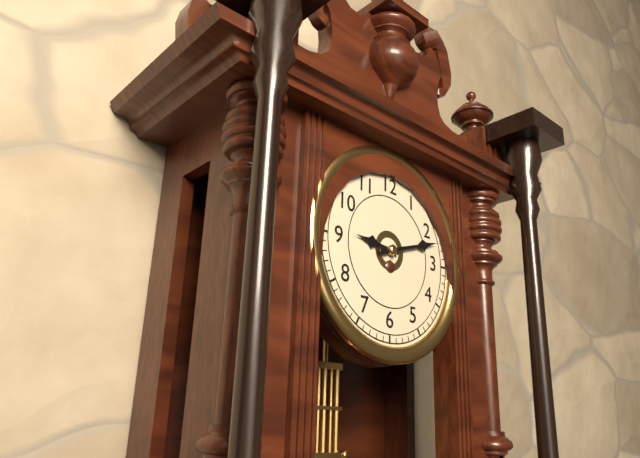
9.12
